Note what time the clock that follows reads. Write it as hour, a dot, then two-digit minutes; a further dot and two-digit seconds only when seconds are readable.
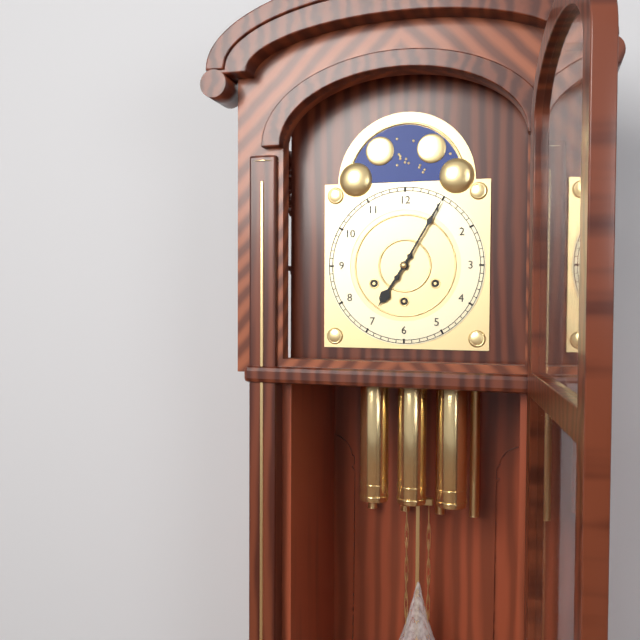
7.05
